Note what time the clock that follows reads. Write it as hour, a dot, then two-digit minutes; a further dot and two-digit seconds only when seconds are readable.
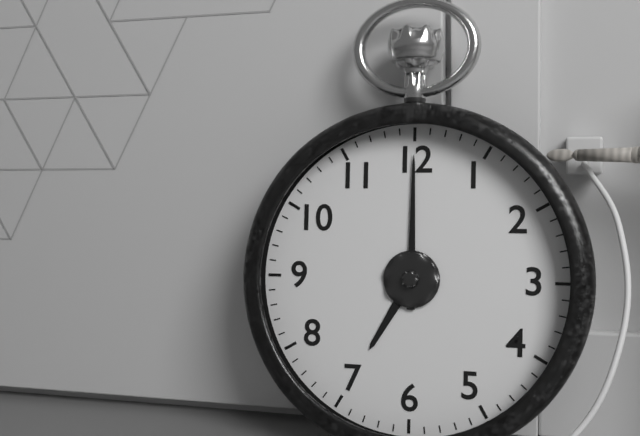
7.00
